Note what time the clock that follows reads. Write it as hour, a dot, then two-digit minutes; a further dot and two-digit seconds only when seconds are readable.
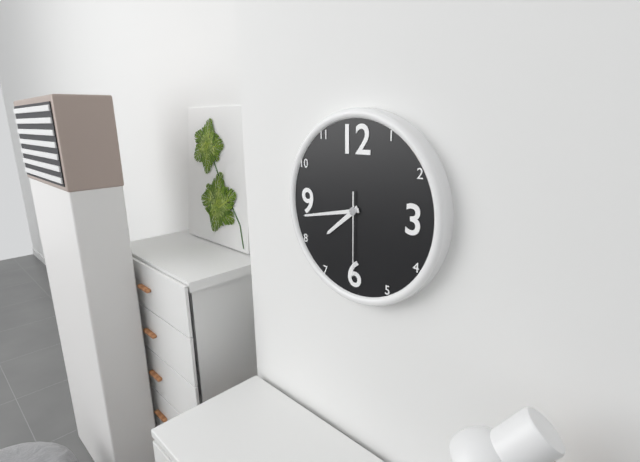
7.43.30
